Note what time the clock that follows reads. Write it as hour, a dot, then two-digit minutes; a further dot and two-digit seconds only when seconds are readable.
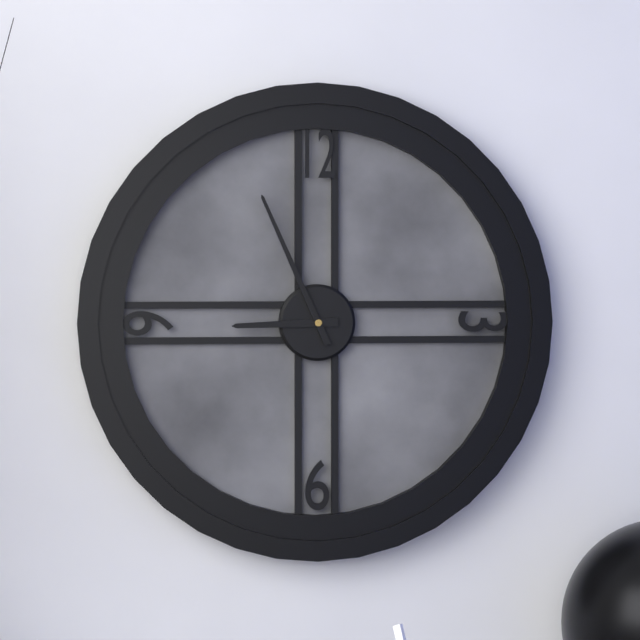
8.56
